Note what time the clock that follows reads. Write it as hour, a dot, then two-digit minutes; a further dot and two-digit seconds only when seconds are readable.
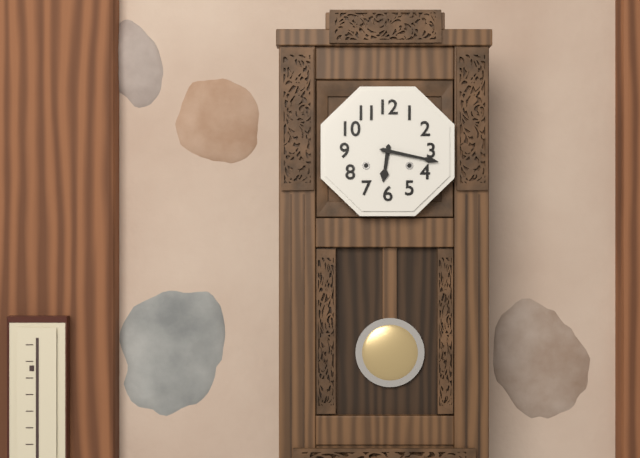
6.17
